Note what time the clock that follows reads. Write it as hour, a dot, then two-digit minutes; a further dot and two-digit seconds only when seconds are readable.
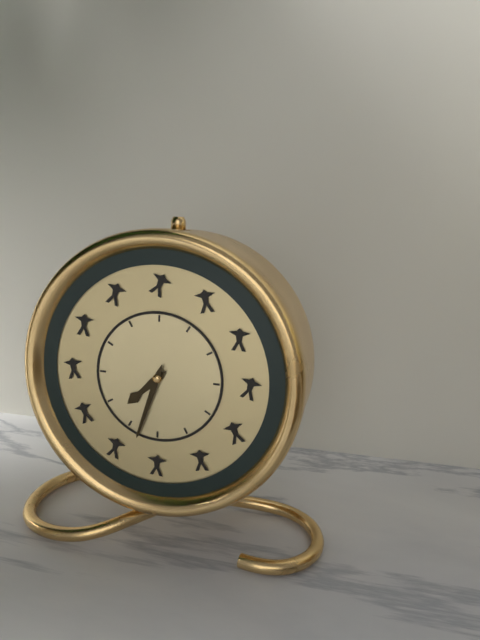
7.33
